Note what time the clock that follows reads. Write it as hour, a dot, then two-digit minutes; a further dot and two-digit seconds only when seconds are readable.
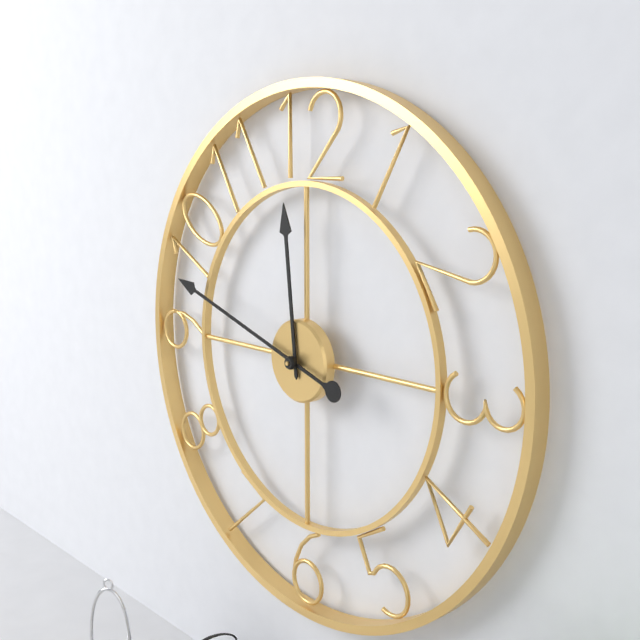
11.48
